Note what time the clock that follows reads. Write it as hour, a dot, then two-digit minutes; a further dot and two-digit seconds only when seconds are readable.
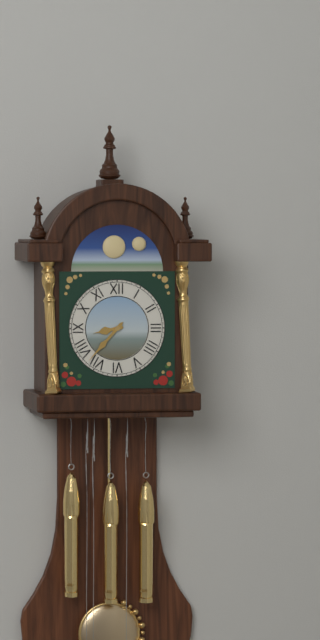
8.37
